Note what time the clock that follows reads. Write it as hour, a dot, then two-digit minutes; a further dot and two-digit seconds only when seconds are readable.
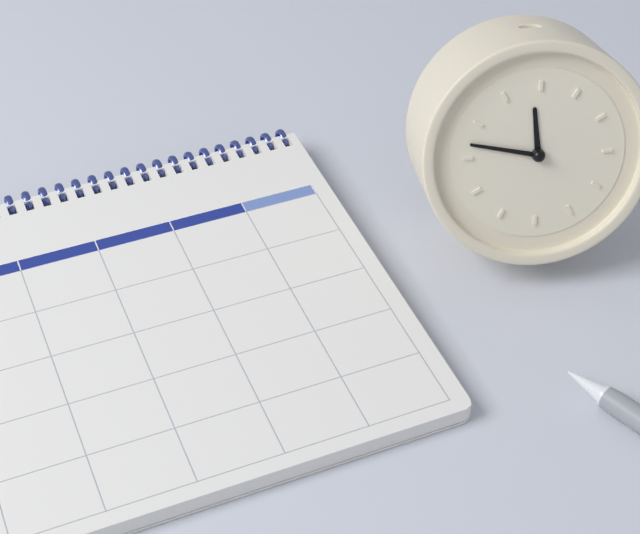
11.47
